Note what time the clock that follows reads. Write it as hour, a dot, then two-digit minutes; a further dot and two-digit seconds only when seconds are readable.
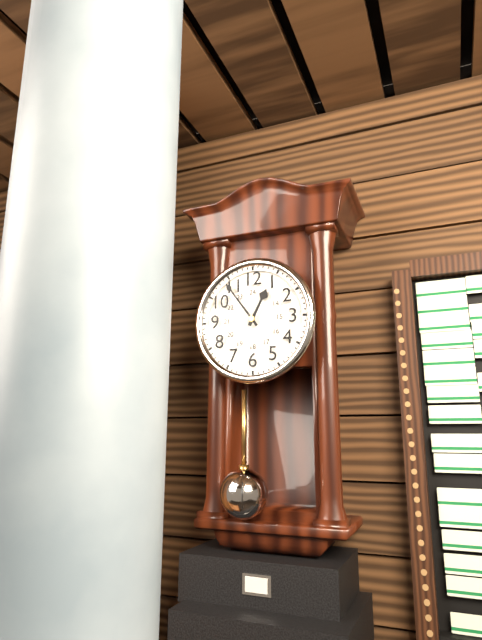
12.54
